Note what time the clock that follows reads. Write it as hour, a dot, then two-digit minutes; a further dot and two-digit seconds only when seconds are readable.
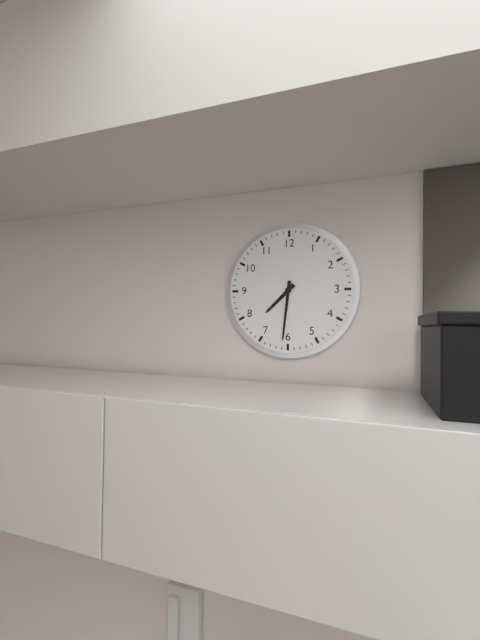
7.31
